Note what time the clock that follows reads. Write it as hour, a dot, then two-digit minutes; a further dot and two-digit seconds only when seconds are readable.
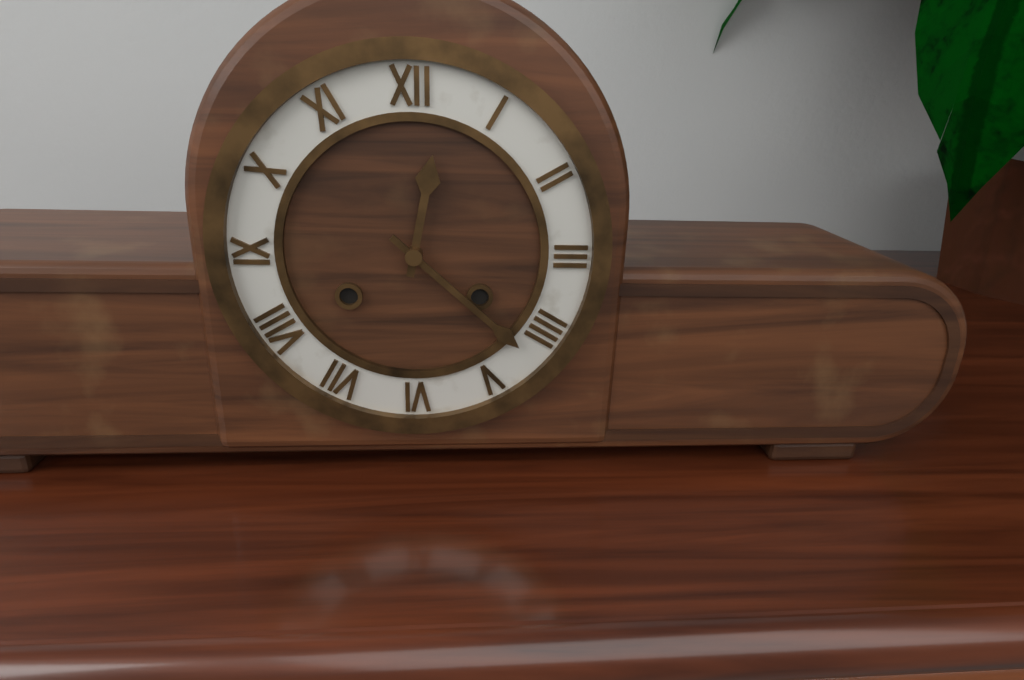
12.22
